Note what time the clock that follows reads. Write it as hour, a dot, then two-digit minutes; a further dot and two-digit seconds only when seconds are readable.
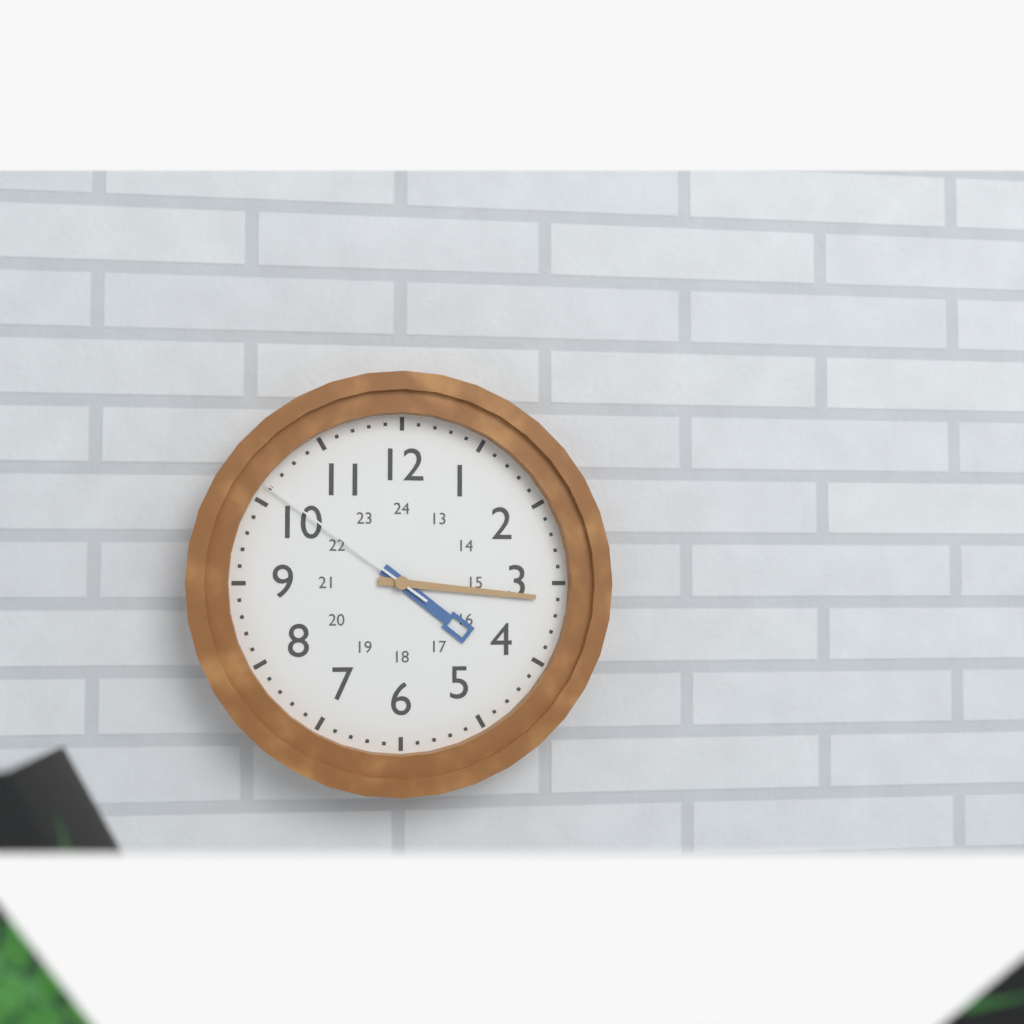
4.16.51
